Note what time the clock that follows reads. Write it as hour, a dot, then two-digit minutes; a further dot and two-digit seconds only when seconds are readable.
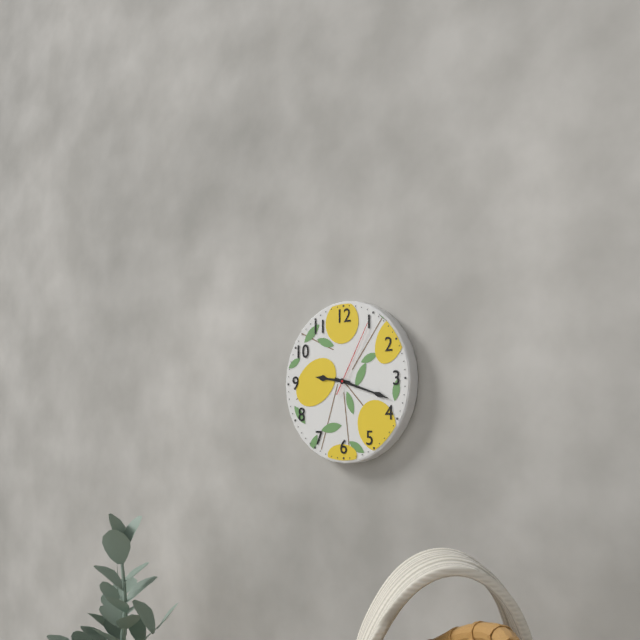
9.18.05
